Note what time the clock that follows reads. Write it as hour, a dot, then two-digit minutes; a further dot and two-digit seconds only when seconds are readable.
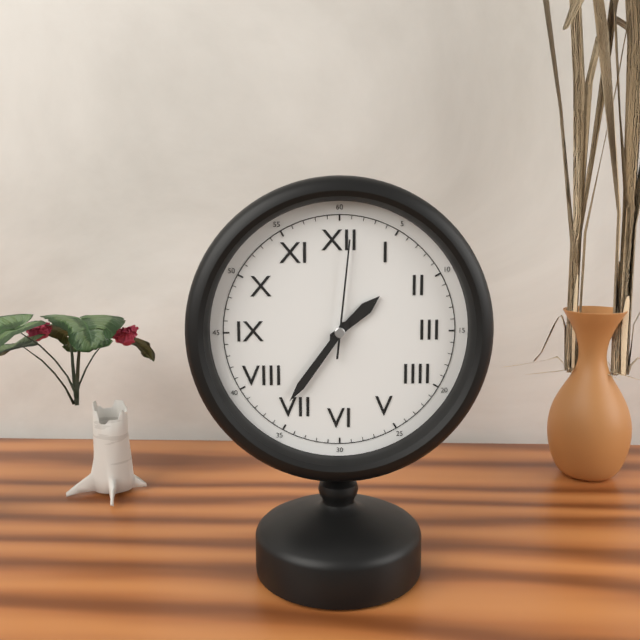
1.36.01
